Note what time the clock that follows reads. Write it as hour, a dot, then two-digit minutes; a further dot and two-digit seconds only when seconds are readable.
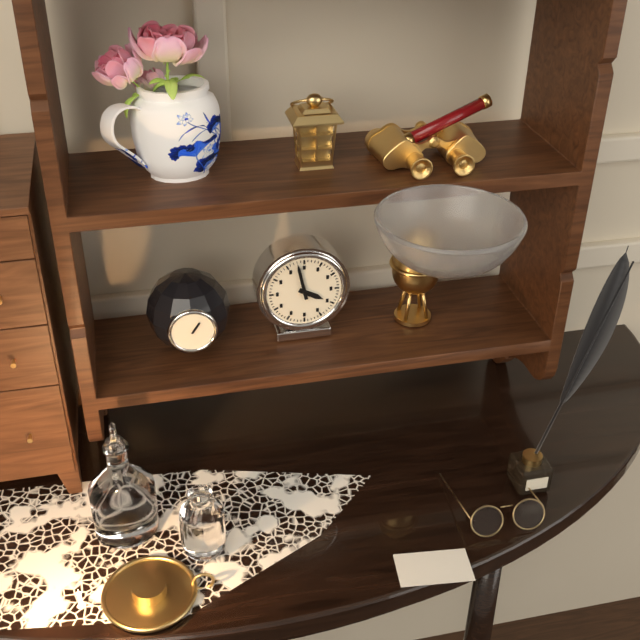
3.58
